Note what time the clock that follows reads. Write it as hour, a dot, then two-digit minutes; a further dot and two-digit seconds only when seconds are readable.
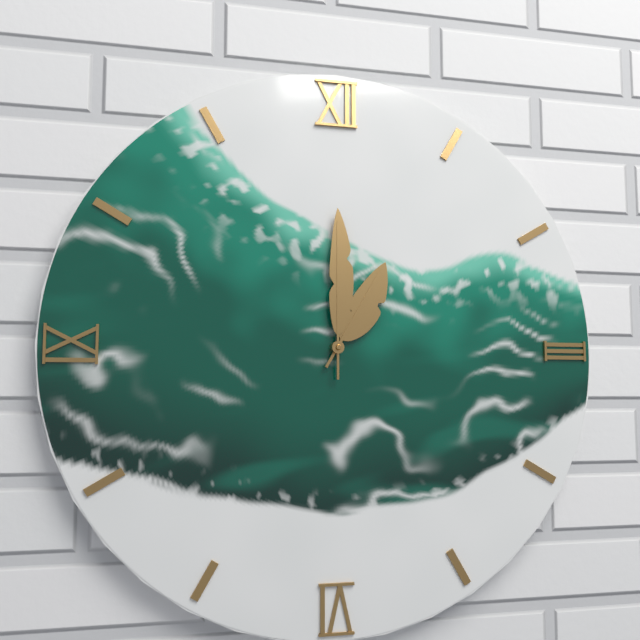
1.00
